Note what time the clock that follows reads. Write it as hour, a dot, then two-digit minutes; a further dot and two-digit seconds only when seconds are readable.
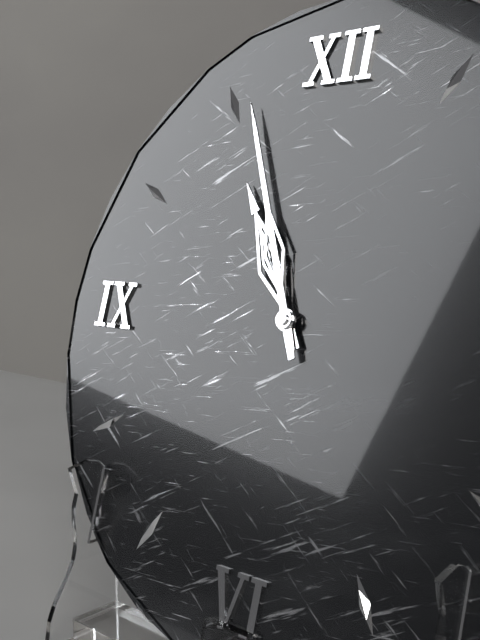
10.56
